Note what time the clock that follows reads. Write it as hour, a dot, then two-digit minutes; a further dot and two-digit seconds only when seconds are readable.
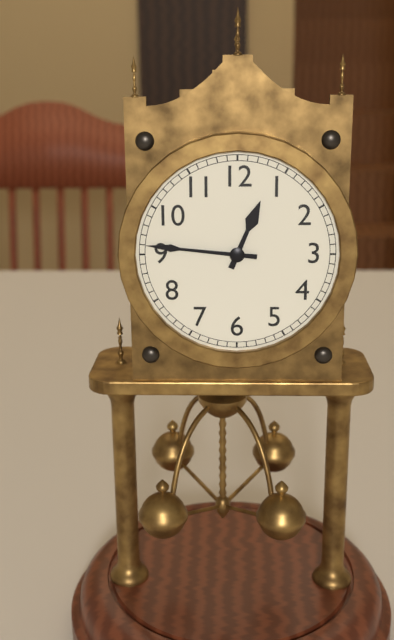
12.46
